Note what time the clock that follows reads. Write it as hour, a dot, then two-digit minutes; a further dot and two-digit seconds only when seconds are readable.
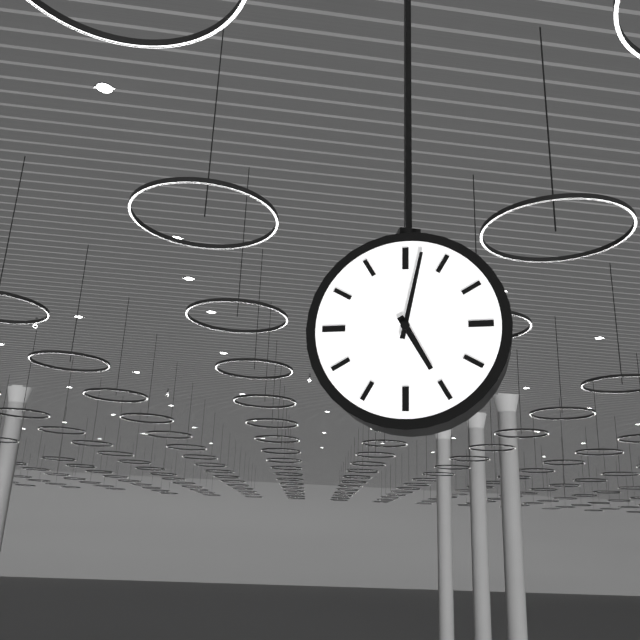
5.02
